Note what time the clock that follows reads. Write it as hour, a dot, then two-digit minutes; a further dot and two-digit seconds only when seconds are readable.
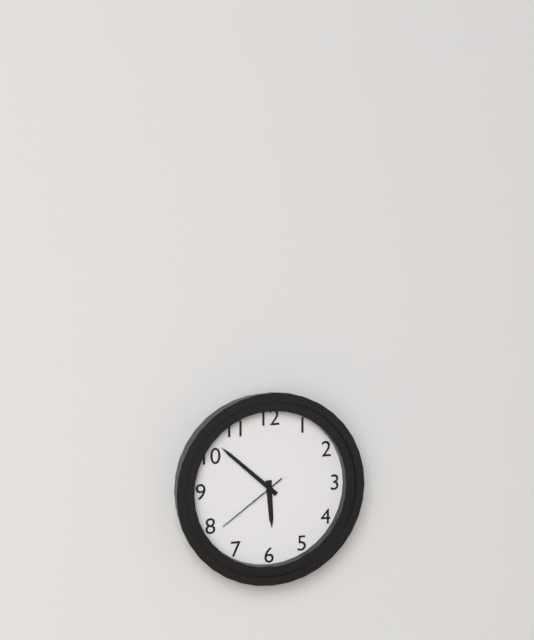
5.52.39
